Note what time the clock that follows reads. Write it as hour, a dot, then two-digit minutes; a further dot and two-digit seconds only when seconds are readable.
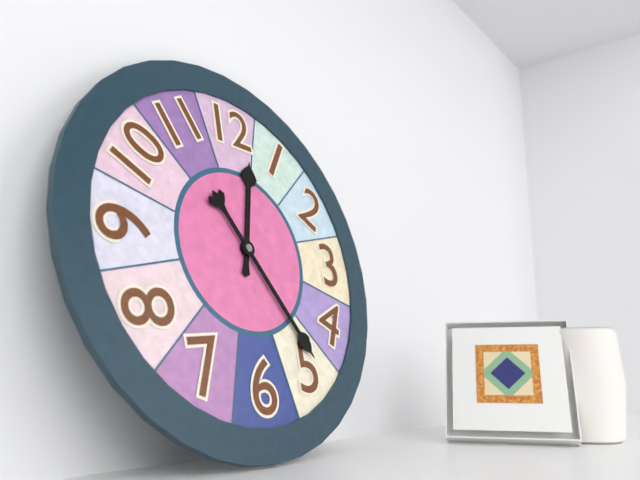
12.24
